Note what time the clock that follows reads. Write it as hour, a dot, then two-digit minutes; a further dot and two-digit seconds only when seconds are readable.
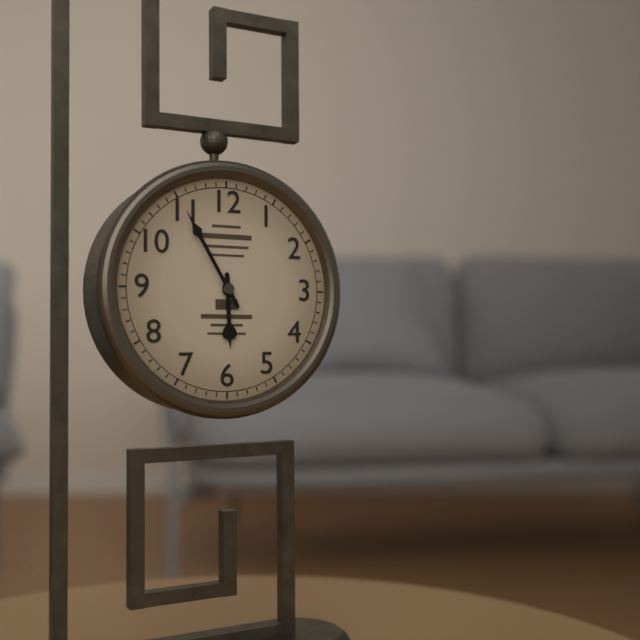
5.55
